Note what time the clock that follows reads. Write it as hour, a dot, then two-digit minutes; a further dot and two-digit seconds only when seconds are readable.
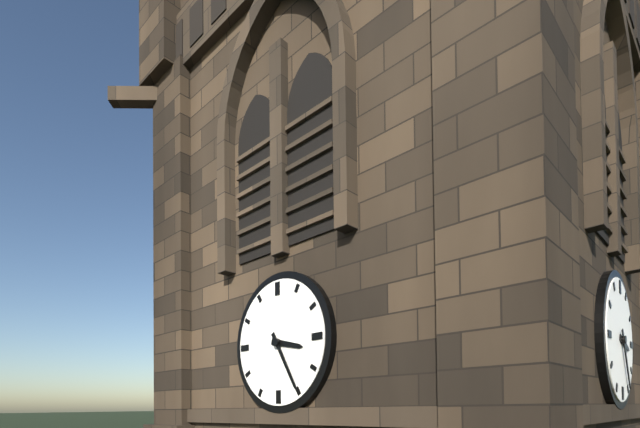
3.25
